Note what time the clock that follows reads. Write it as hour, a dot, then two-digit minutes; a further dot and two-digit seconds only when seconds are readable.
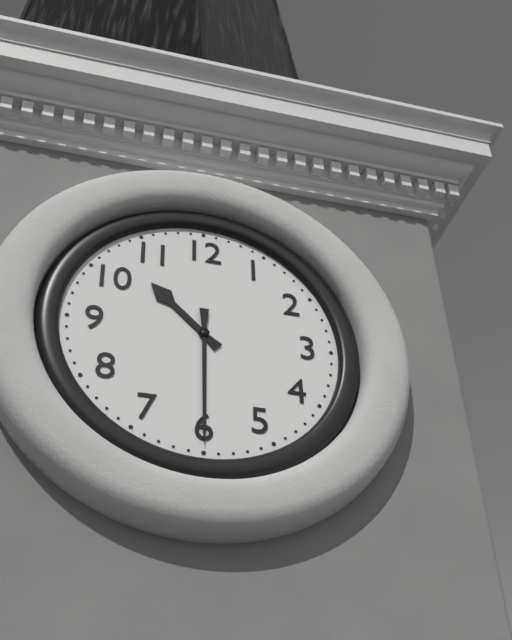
10.30
